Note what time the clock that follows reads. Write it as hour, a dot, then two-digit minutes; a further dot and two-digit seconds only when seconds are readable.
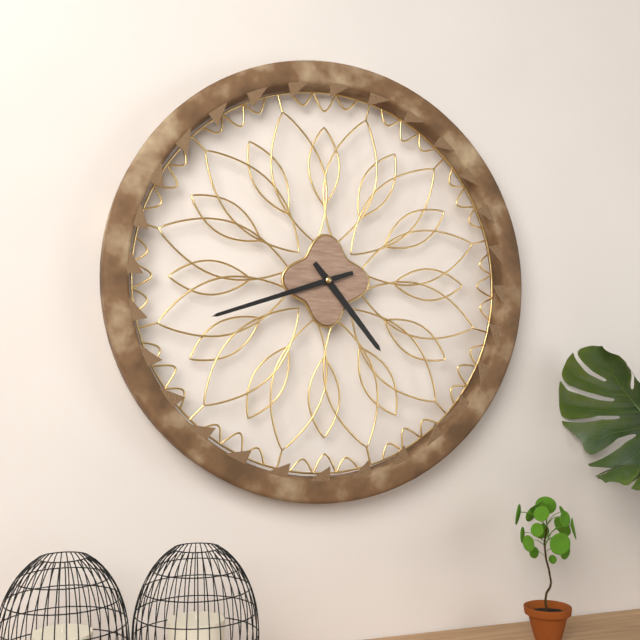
4.42
